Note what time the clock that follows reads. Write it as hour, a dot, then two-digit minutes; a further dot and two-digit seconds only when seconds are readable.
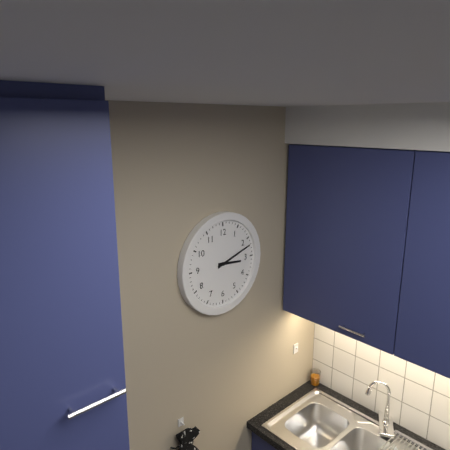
3.12
